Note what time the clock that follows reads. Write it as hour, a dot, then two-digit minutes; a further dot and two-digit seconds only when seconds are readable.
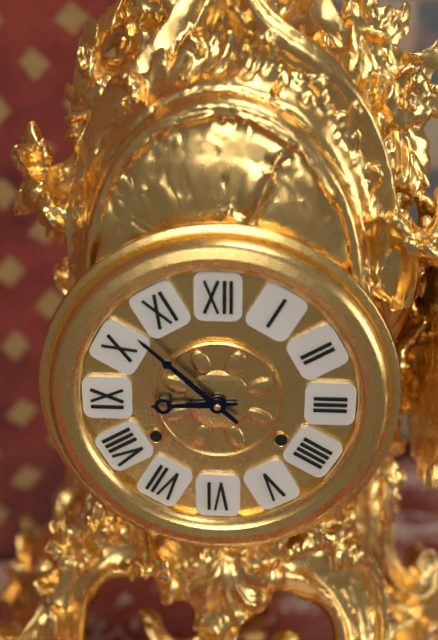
8.52
